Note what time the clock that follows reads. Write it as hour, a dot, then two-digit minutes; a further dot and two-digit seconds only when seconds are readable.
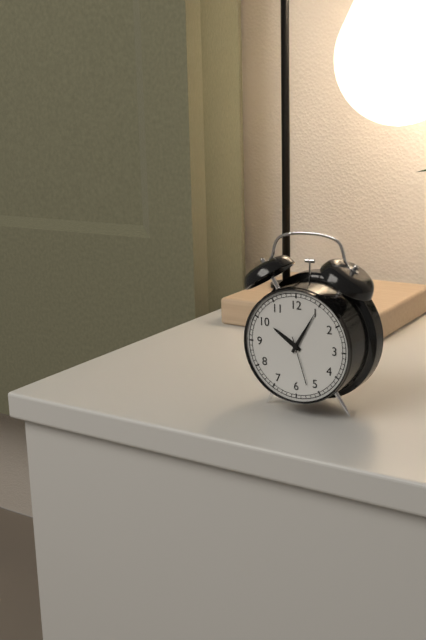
10.05.27
